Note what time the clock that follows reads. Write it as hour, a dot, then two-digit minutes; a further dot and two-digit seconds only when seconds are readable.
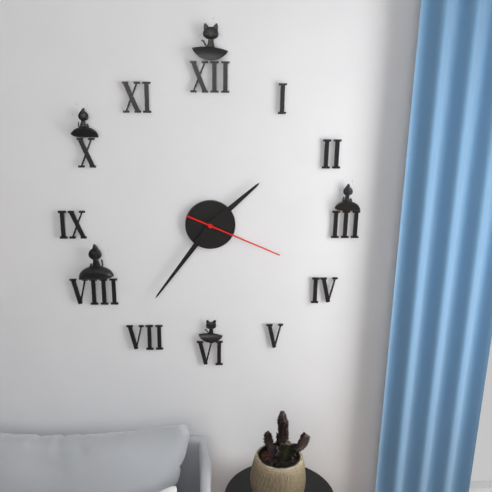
1.36.19
